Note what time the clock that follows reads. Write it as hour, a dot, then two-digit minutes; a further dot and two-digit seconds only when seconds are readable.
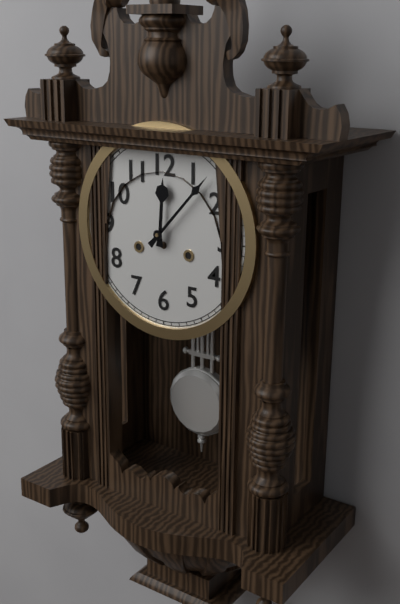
12.07
